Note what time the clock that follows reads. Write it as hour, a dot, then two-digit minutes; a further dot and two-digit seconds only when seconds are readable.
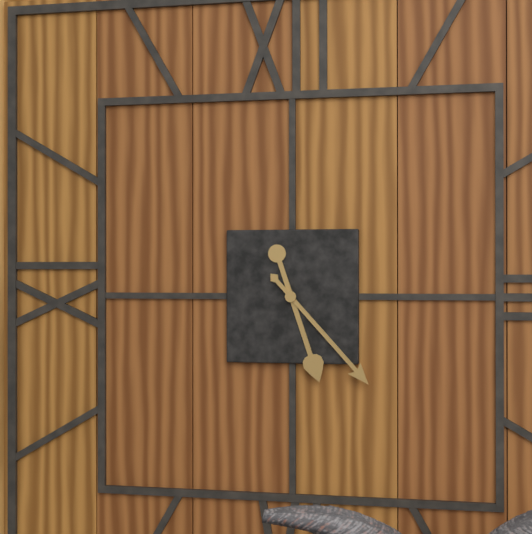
5.23
